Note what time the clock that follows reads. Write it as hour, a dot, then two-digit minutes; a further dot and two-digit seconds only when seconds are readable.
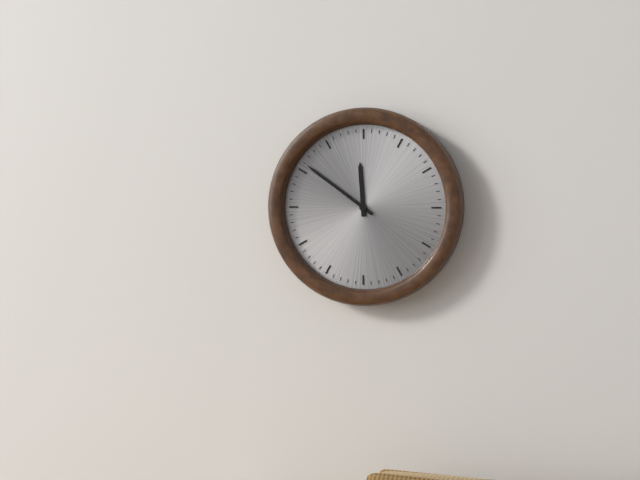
11.51
